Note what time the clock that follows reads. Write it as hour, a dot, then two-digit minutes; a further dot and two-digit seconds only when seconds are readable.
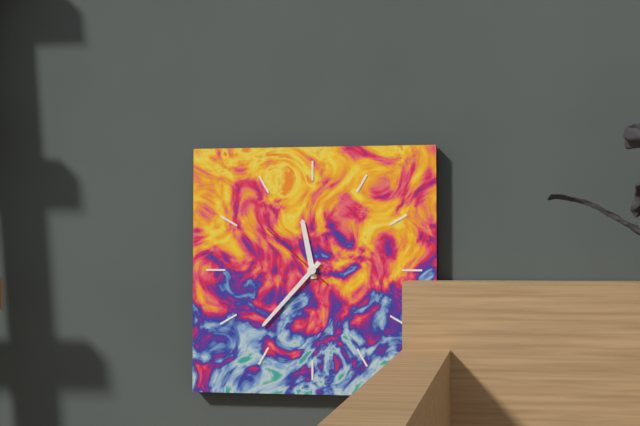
11.37.52
